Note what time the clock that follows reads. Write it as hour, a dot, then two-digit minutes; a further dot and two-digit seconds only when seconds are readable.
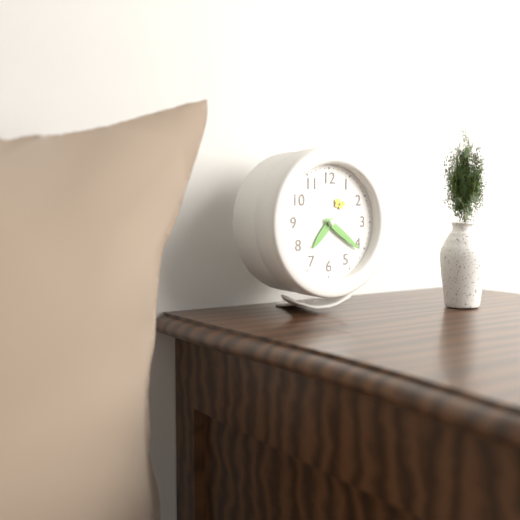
7.21
